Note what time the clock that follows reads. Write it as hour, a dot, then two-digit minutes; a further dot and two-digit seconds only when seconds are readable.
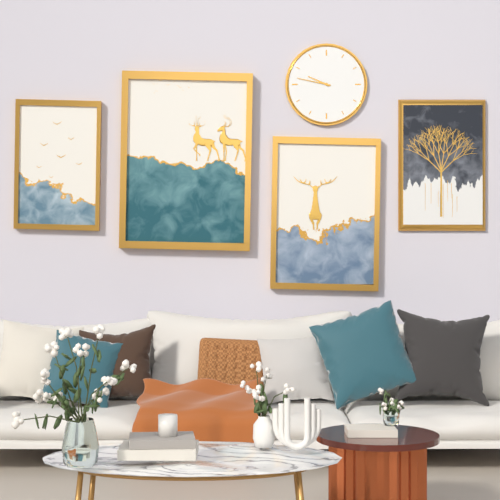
9.47
